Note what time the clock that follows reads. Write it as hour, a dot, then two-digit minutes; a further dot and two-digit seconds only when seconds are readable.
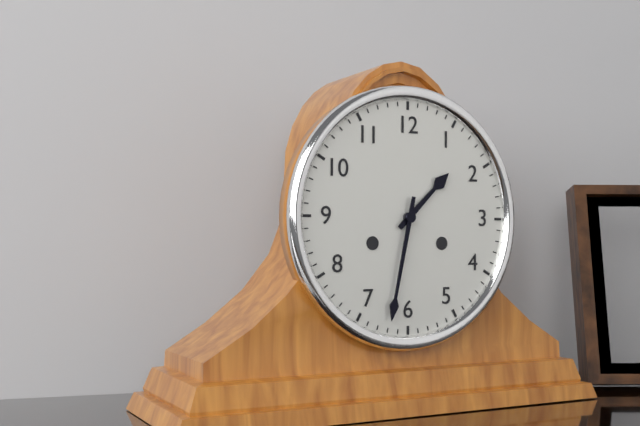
1.32
